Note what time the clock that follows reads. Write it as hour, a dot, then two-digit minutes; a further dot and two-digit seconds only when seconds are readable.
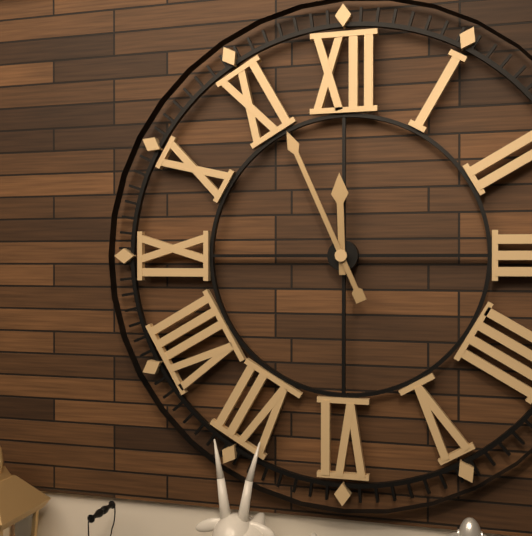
11.56
